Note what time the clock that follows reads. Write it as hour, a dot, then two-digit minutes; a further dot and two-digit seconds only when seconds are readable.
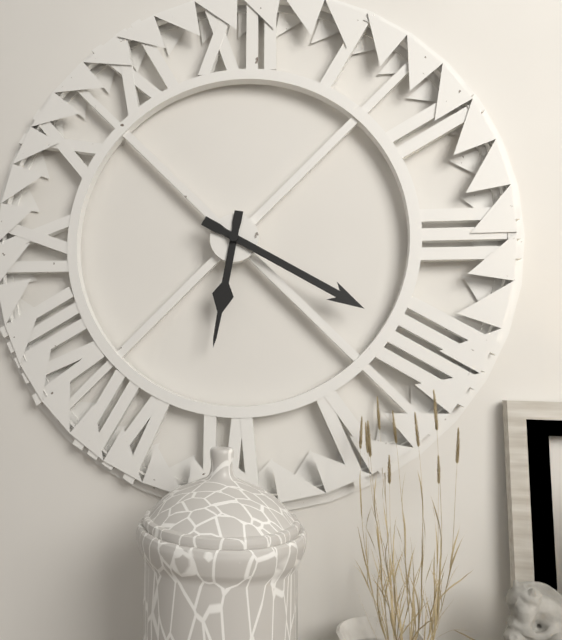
6.20
